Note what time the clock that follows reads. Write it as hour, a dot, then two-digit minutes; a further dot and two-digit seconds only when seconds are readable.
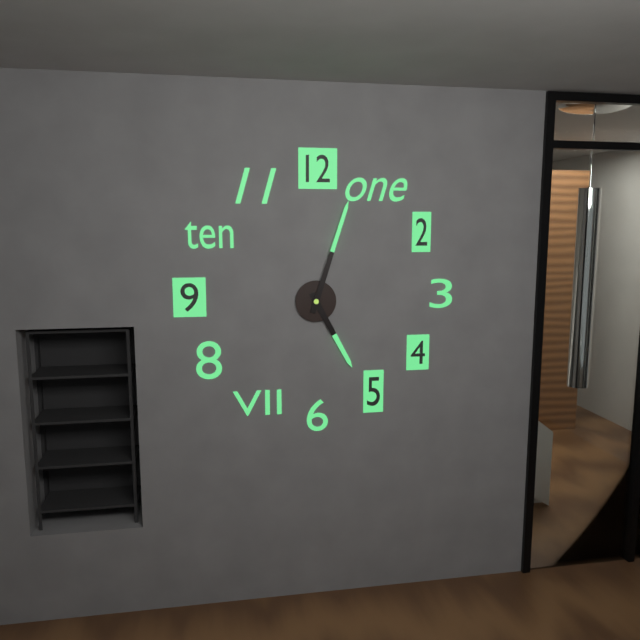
5.03
